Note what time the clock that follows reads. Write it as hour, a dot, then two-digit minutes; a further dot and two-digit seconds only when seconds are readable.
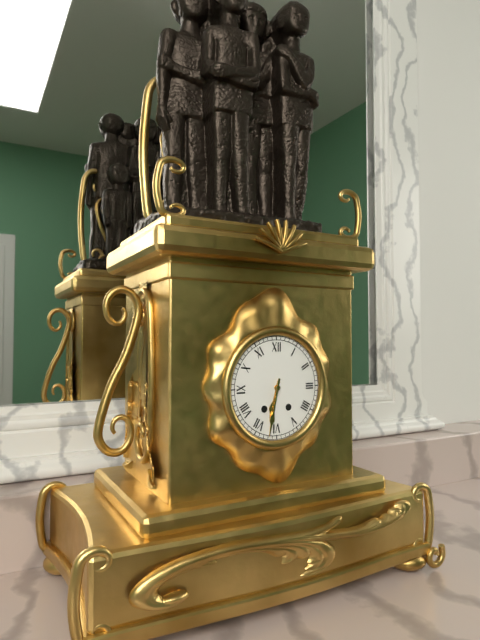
6.32
